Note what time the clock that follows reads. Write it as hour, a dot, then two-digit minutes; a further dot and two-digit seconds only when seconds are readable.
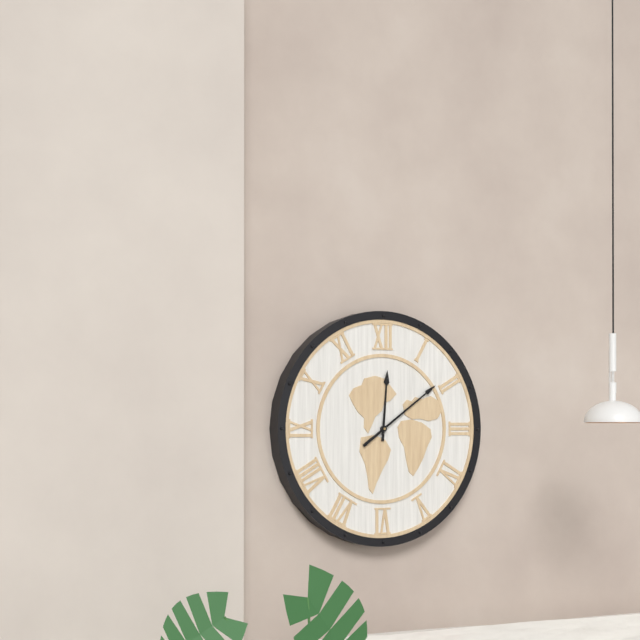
12.09
